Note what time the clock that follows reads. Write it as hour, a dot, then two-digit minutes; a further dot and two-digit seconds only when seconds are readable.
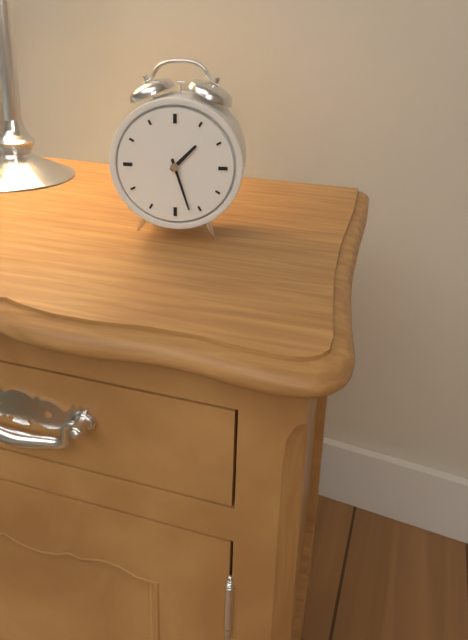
1.27
